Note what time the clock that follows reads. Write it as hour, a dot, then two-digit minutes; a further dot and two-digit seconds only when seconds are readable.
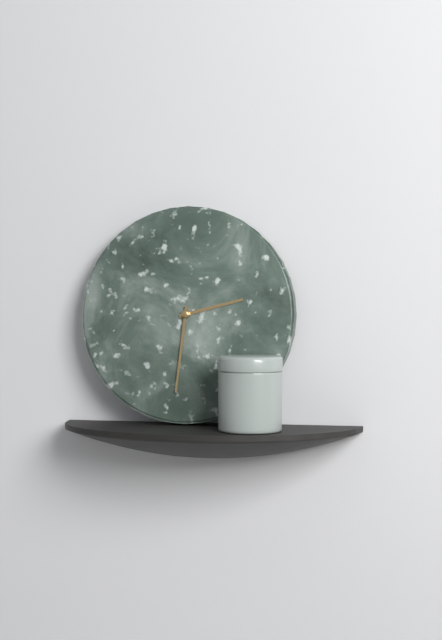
2.31
